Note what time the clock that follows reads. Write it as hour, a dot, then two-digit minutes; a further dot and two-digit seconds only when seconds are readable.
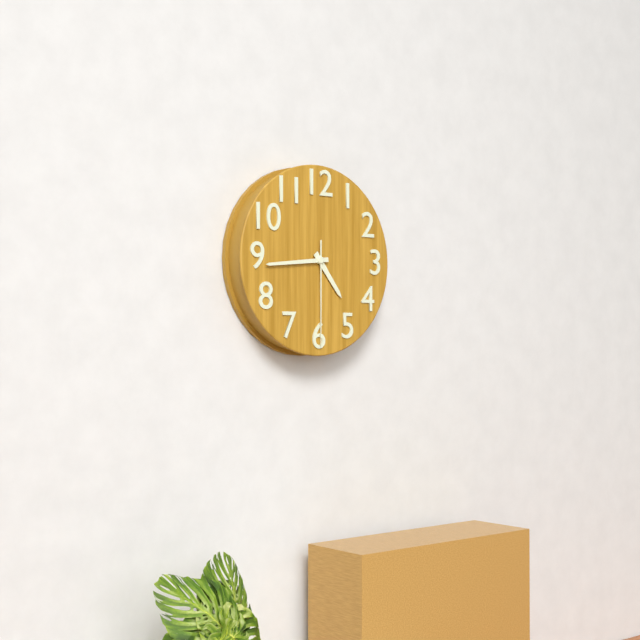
4.44.30
